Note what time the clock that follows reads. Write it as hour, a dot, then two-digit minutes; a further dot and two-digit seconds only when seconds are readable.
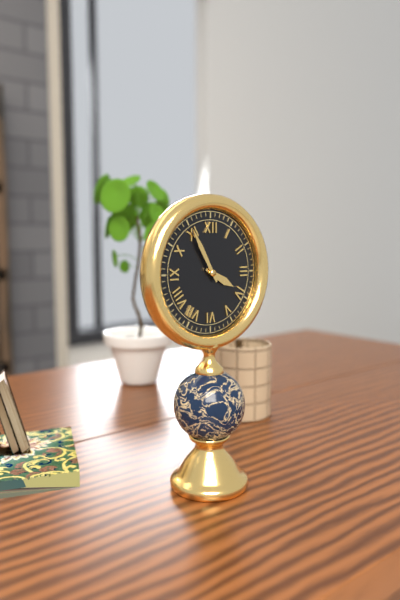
3.55
